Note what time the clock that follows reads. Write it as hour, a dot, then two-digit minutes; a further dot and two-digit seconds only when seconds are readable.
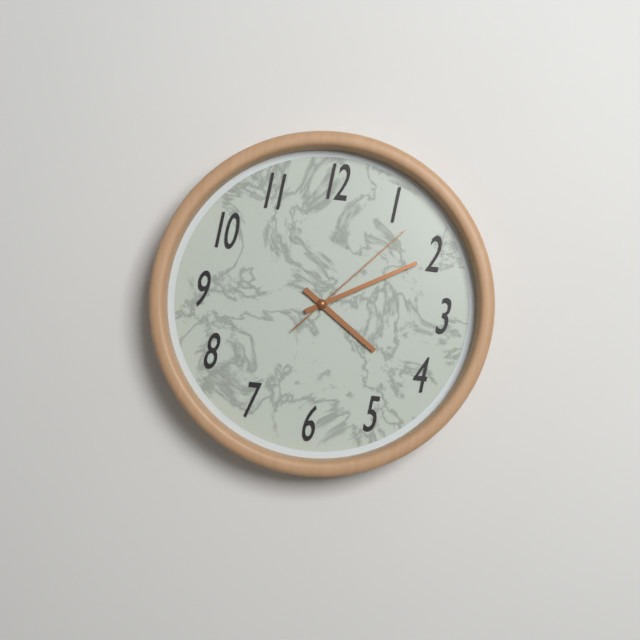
4.10.07
